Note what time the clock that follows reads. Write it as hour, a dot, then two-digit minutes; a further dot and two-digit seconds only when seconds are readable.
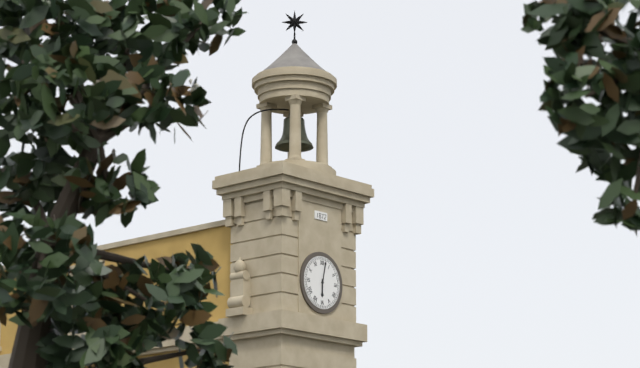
6.02
